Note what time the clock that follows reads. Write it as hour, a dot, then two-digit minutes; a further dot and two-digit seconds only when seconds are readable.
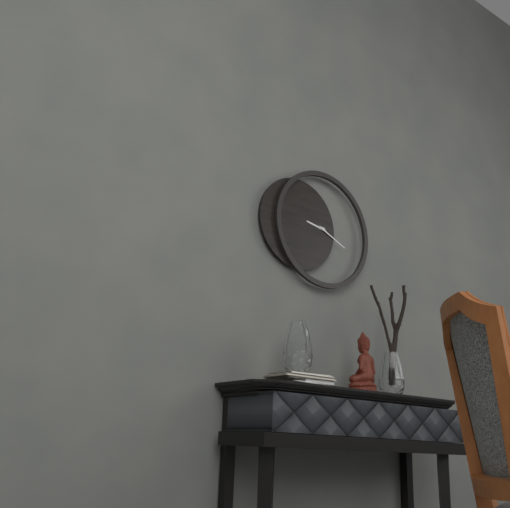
9.19
